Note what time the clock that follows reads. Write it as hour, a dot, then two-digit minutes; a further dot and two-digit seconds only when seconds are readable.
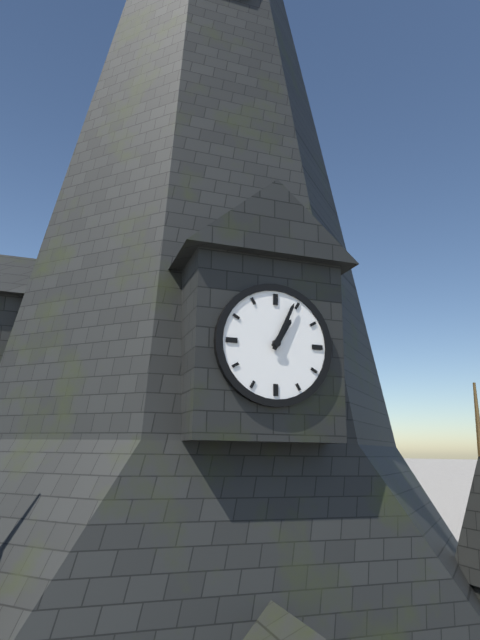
1.04
